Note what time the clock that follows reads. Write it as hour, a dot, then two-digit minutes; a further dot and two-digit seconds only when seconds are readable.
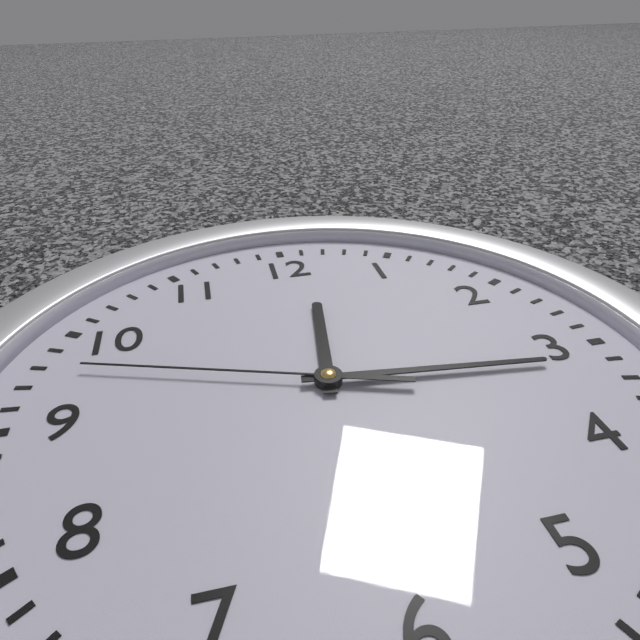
12.16.48
